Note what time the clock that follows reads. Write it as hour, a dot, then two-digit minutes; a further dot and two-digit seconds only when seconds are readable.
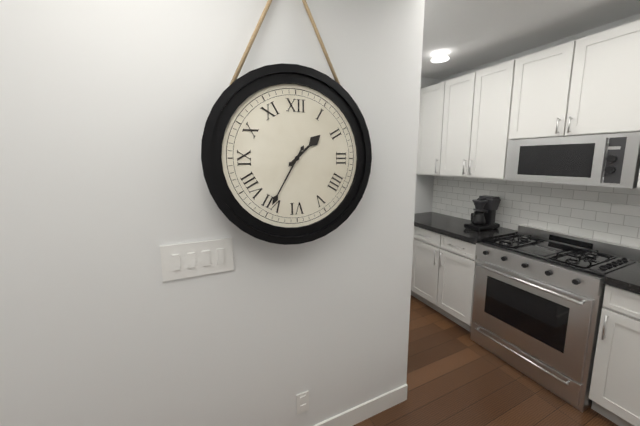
1.35
